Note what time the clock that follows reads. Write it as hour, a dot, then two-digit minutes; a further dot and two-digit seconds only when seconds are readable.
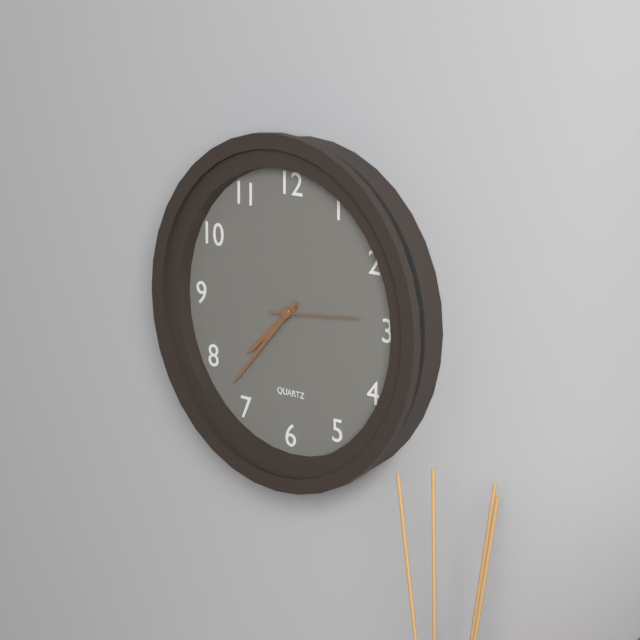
7.37.14
